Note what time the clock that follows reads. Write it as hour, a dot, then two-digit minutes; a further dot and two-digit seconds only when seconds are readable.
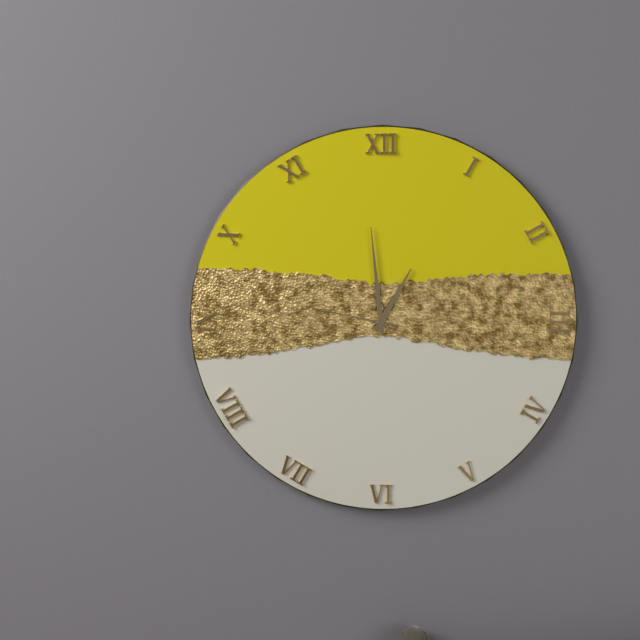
12.59.47
